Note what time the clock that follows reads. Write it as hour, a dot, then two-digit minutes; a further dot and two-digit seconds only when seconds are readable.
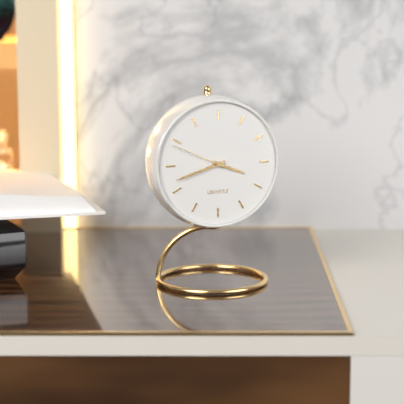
3.42.49
